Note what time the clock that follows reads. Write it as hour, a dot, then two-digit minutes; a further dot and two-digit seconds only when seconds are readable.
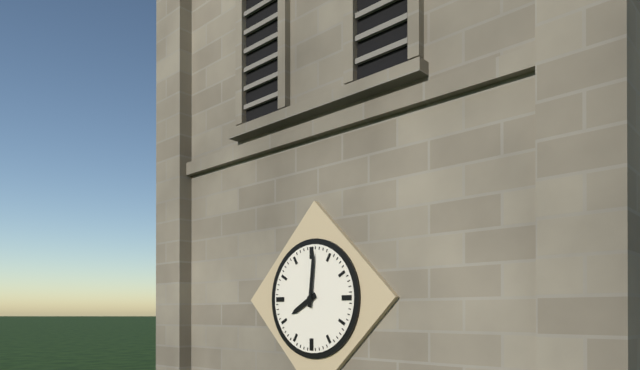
8.01
